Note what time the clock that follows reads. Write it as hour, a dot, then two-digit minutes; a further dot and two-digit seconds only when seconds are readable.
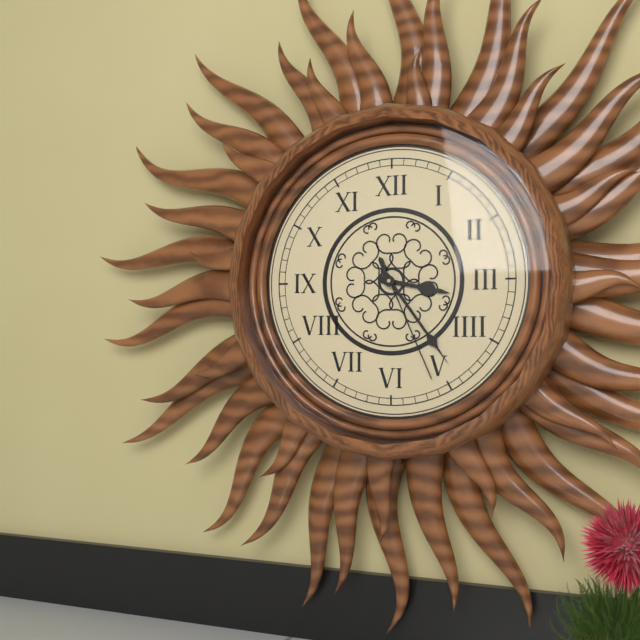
3.24.26
